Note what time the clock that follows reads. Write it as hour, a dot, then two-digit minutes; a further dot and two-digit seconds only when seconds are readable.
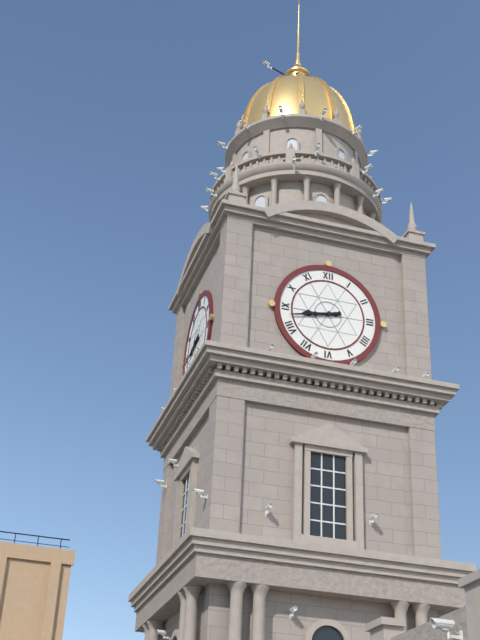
8.43
